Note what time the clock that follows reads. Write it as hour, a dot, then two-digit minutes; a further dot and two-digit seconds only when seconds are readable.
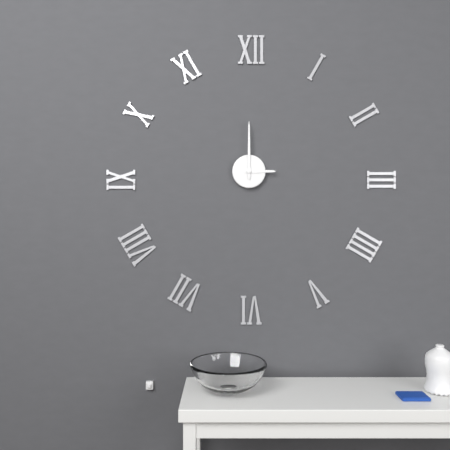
3.00
